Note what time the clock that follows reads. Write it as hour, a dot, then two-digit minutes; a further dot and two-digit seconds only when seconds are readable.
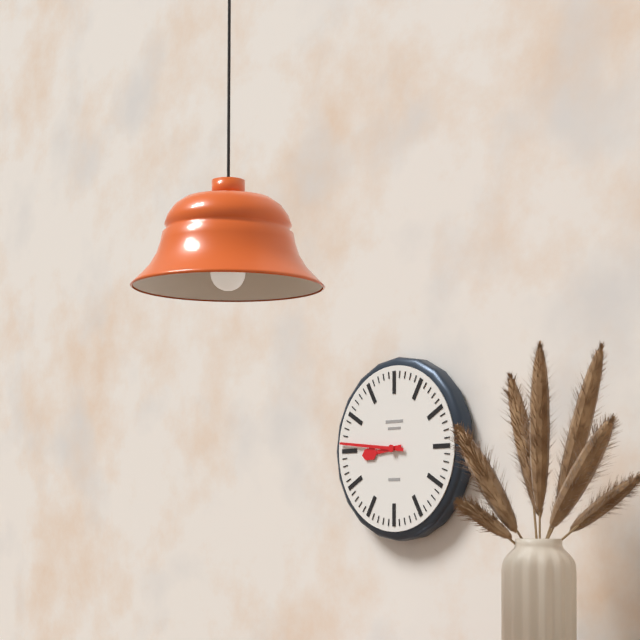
8.46
